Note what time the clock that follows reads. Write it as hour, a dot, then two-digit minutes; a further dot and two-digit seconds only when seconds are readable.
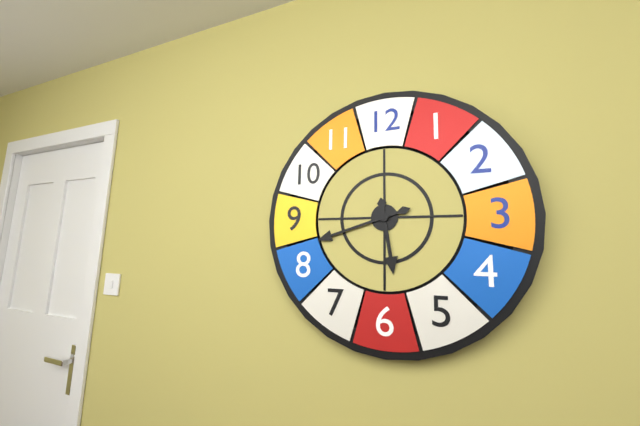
5.42
